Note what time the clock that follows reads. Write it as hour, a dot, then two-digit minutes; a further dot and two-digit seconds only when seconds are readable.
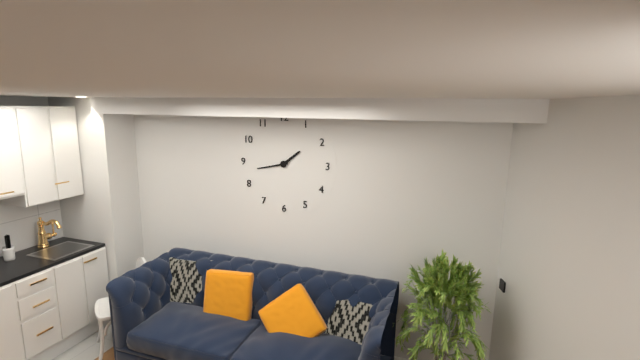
1.43
